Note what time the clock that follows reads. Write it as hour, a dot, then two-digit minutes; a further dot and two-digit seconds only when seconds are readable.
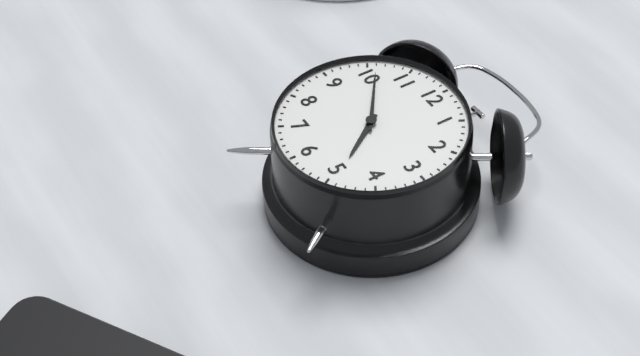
4.51
